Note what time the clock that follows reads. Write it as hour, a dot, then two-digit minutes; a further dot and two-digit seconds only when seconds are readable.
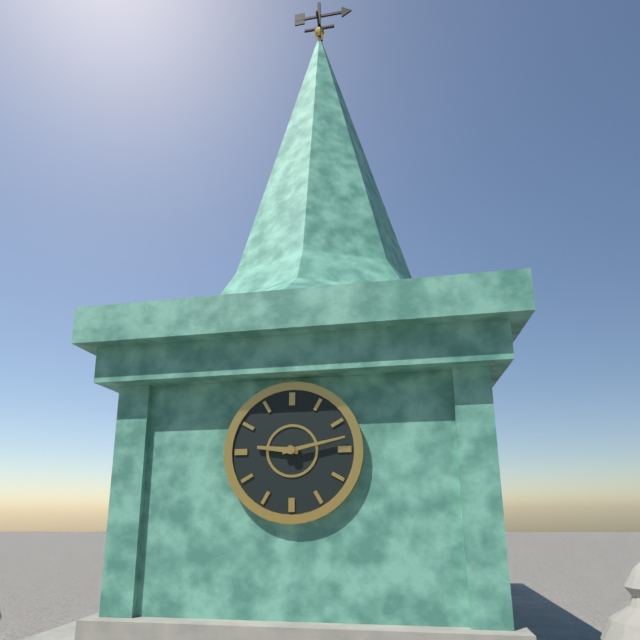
9.13
